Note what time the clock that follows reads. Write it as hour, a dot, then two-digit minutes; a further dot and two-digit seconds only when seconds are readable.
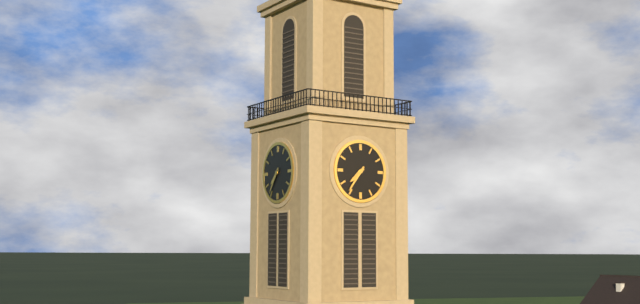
7.36
